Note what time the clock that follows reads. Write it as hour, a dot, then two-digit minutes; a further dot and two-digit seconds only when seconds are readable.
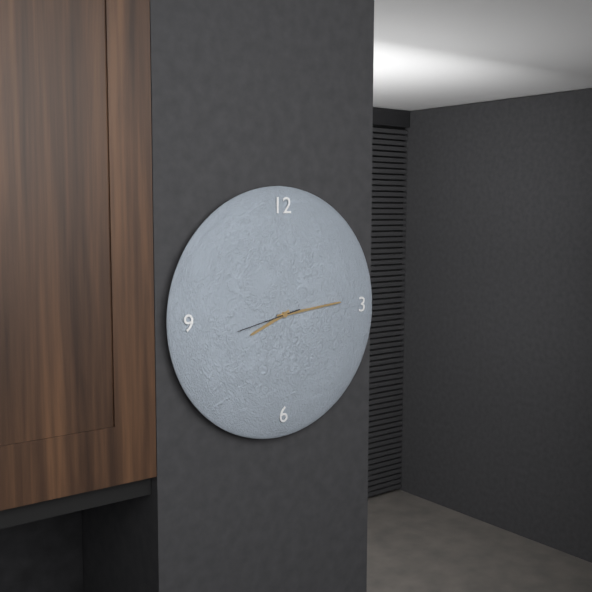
8.14.43
